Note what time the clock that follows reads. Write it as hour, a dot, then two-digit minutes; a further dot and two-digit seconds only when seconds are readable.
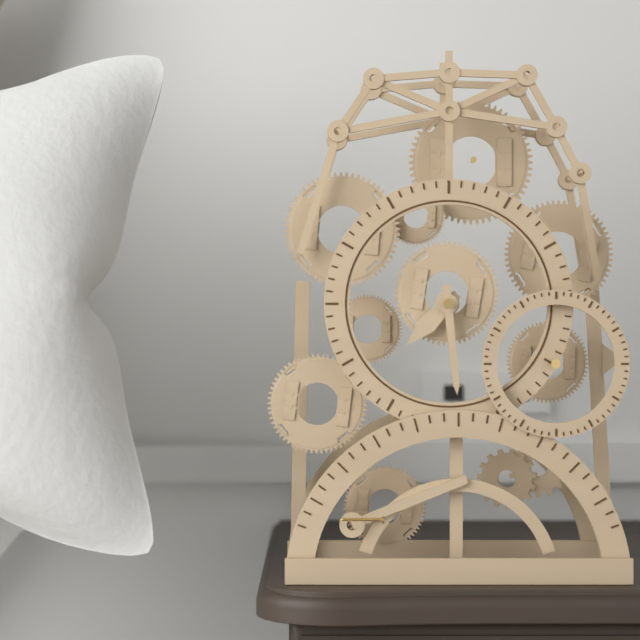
7.29
